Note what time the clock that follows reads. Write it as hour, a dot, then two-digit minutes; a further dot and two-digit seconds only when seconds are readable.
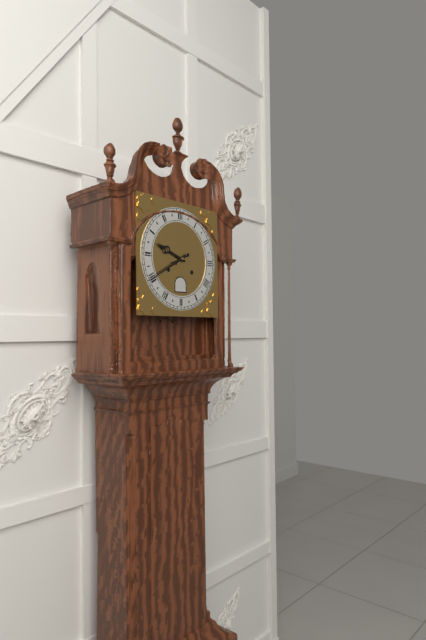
9.40
